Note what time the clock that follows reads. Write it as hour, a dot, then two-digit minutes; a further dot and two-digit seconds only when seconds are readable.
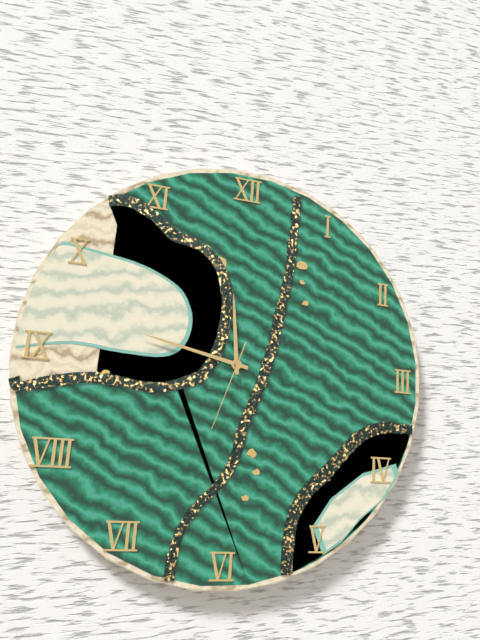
11.47.33
